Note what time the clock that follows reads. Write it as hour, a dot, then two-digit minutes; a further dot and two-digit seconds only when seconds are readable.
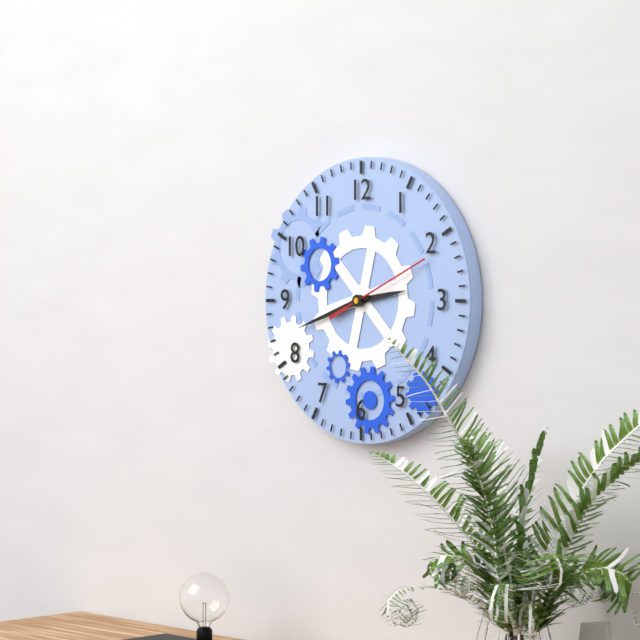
2.42.11
